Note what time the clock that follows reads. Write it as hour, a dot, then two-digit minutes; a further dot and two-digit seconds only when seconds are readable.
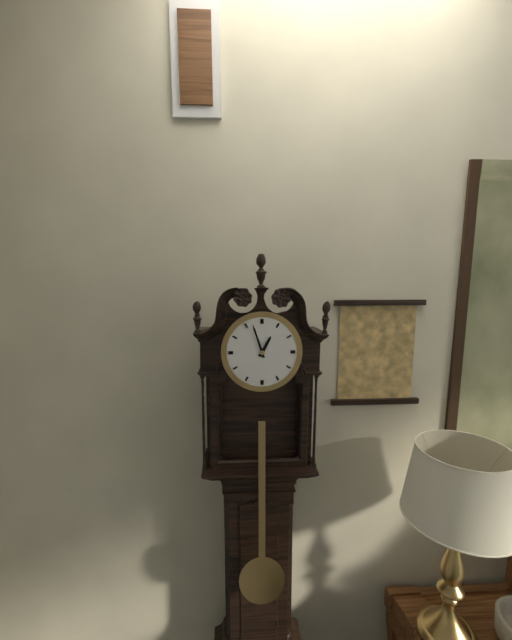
12.57
